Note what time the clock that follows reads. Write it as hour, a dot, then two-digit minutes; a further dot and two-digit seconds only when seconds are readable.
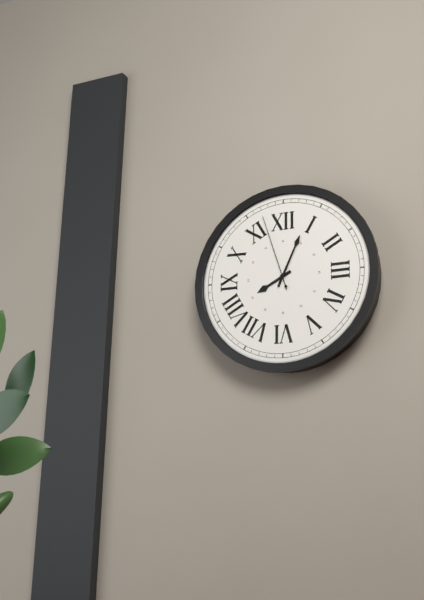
8.04.57
